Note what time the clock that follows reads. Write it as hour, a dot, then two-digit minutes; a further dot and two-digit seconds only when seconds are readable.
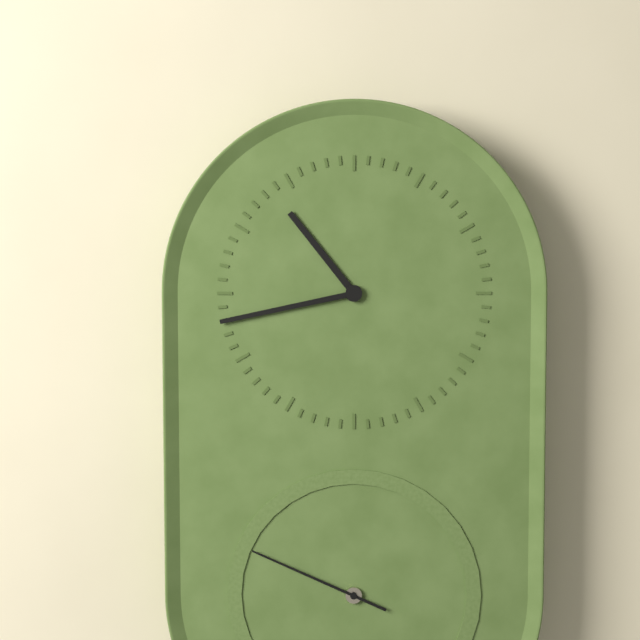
10.43.49
